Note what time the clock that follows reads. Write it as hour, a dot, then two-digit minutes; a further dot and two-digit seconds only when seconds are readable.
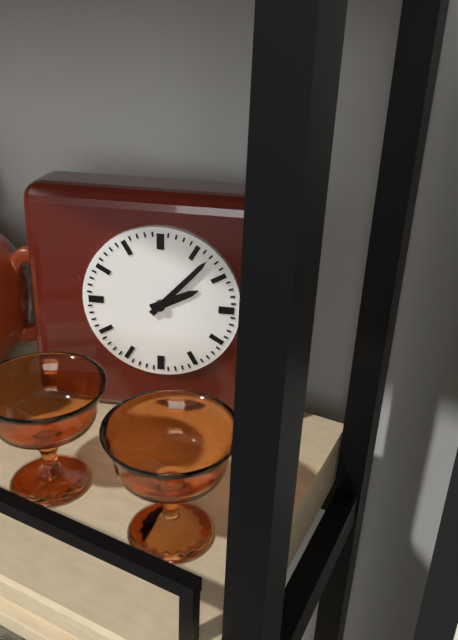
2.07
